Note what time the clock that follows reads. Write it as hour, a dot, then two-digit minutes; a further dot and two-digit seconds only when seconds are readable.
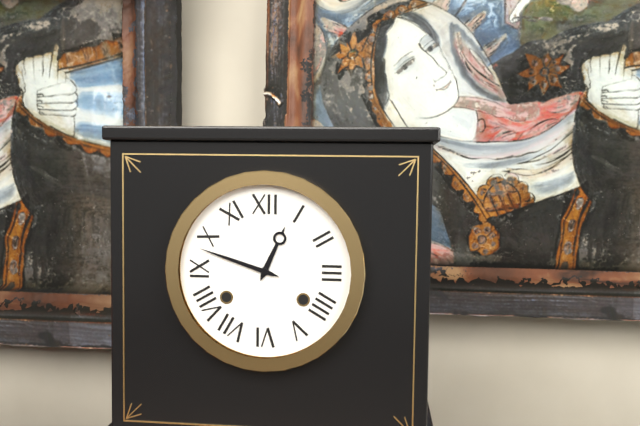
12.48
